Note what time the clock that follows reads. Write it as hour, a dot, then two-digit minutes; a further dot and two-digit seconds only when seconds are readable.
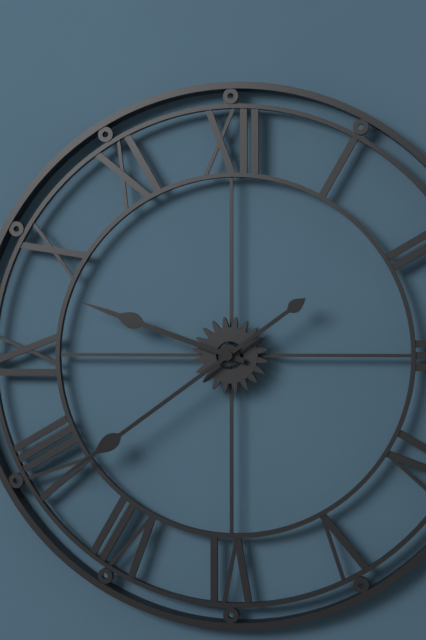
9.39
